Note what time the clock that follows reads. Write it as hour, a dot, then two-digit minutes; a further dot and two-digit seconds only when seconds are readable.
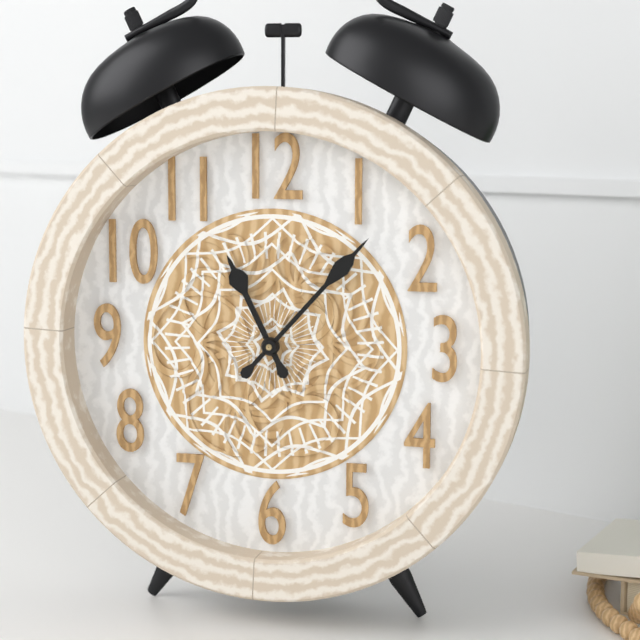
11.07
